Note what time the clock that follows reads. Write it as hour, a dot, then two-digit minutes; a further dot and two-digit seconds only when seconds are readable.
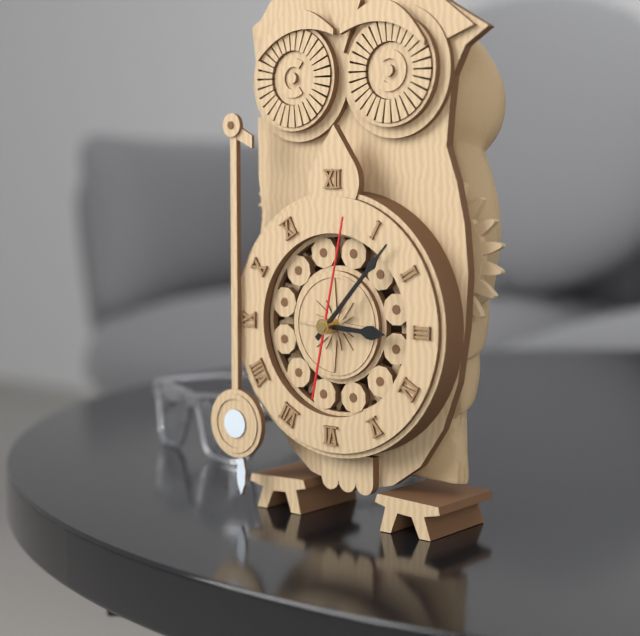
3.07.02
